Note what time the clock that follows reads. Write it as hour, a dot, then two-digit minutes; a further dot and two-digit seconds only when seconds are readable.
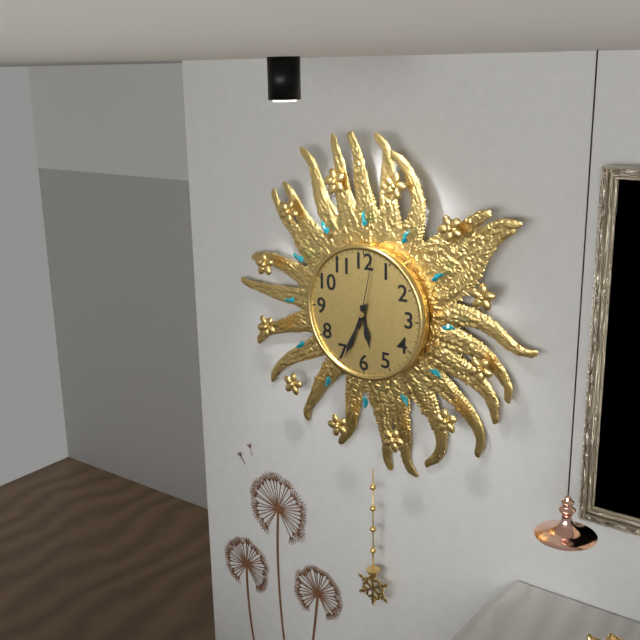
5.34.02
